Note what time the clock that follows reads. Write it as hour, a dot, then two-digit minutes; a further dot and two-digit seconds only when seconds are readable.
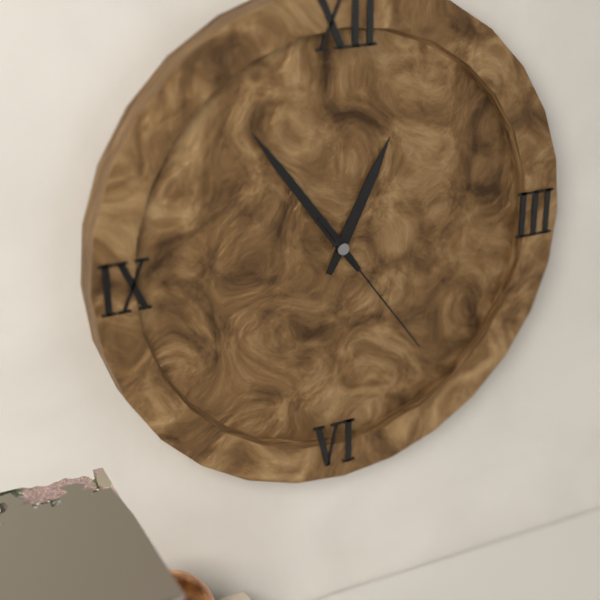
12.54.24
